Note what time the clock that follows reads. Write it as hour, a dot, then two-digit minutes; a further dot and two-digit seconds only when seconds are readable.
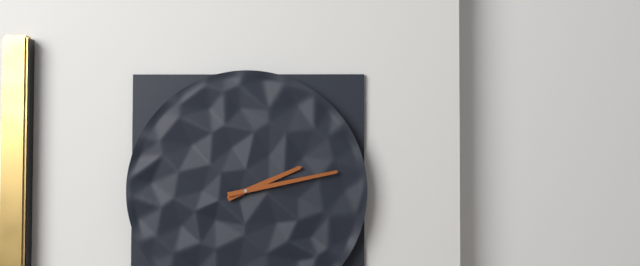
2.13
